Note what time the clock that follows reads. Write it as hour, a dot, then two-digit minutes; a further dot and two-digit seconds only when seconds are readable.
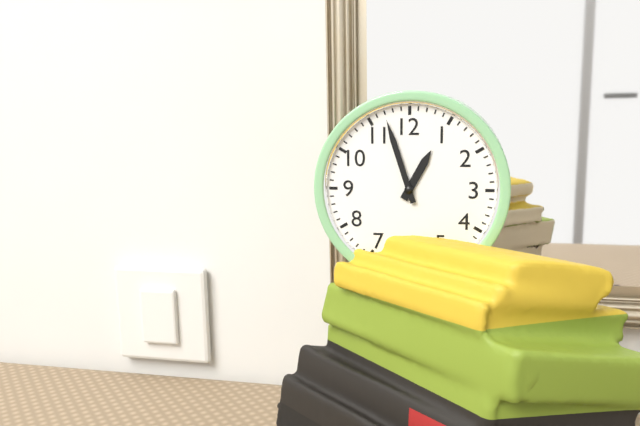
12.57
